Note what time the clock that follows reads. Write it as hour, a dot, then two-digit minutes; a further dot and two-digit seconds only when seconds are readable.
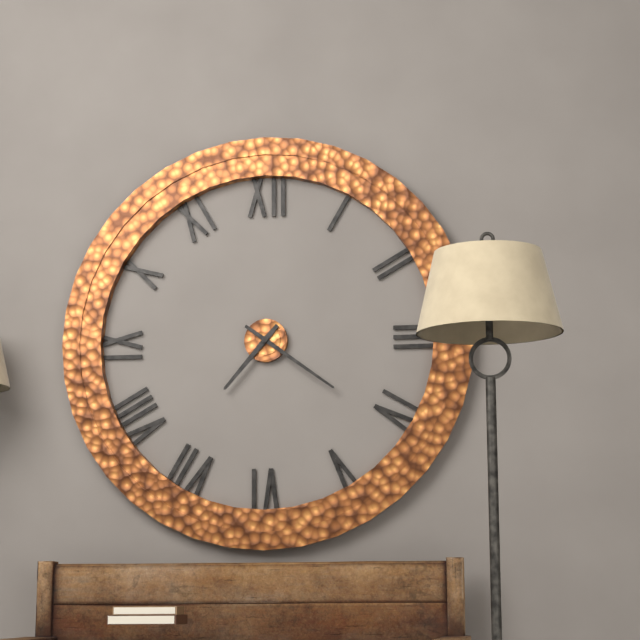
7.21
